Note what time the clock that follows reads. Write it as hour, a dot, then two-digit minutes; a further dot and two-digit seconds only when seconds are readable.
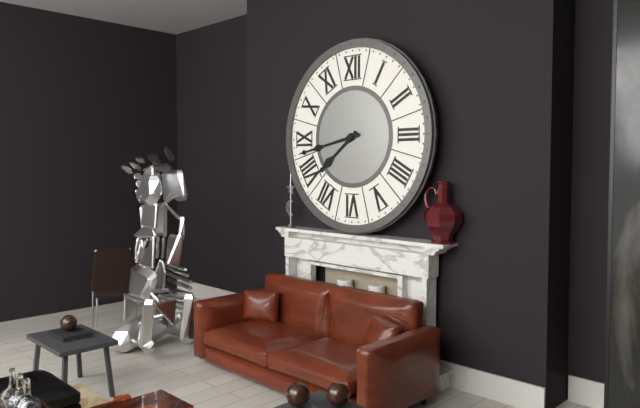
7.43
